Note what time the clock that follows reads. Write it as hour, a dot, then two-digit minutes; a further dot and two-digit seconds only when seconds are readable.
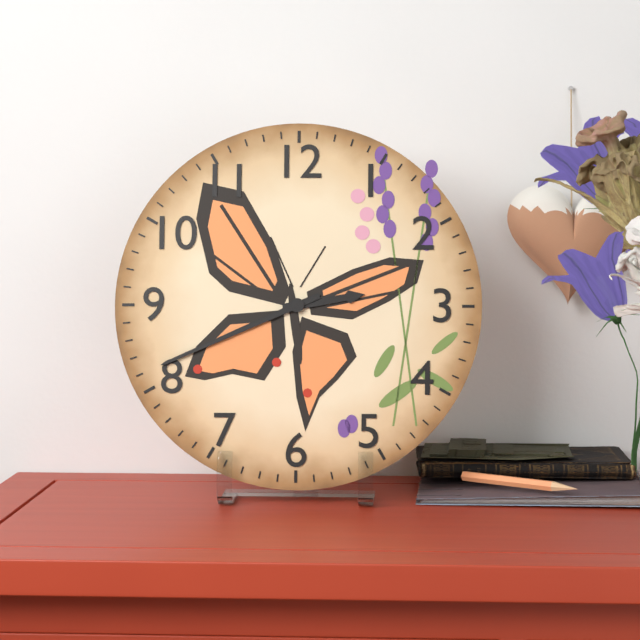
2.41
